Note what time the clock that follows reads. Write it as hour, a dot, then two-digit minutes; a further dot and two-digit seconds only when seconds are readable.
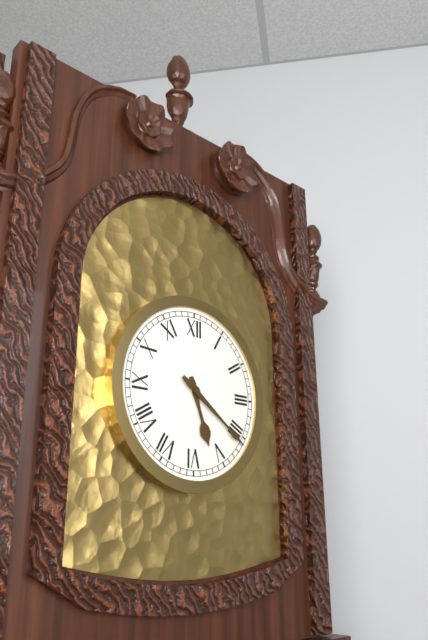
5.21
